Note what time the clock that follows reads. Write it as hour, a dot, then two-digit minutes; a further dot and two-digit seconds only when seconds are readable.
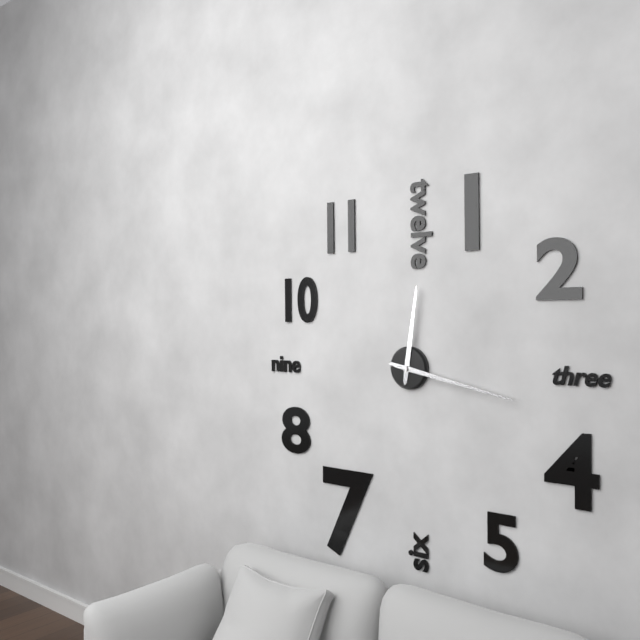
12.17
